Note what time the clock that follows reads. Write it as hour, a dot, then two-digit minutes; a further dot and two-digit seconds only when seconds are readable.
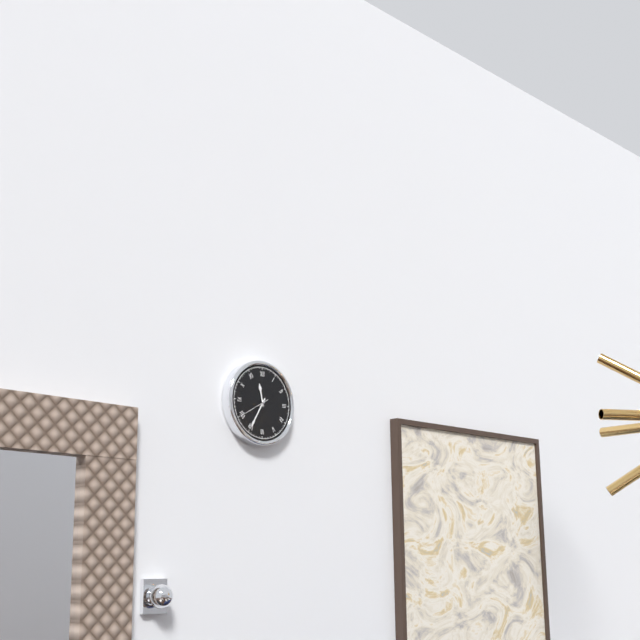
11.35
